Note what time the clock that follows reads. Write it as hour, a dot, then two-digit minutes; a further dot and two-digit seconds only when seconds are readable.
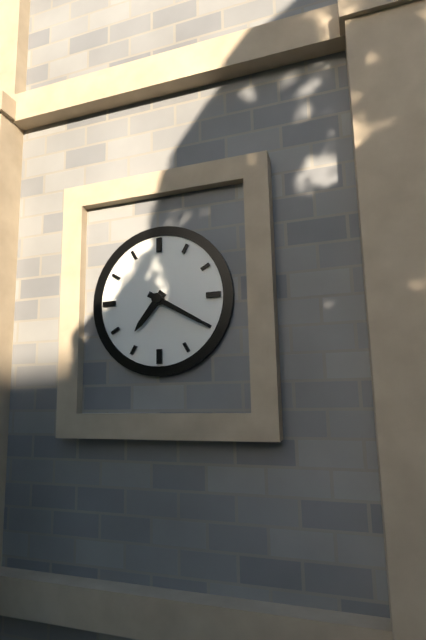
7.20
